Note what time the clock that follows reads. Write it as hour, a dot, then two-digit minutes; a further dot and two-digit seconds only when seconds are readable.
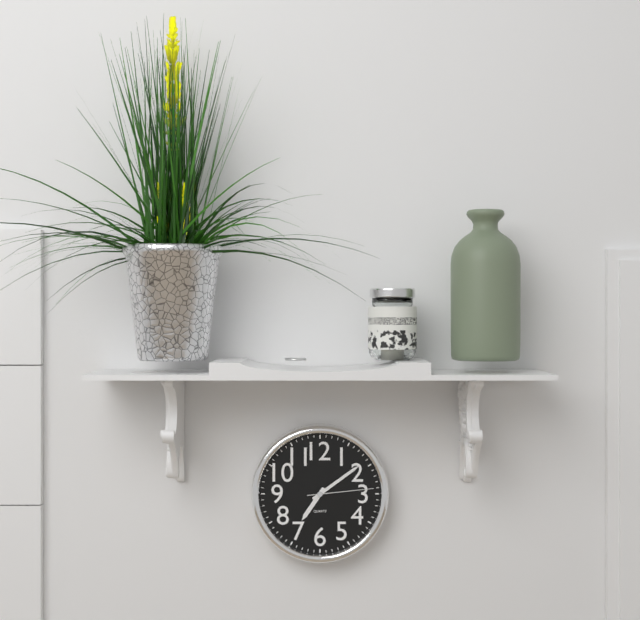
7.09.14
